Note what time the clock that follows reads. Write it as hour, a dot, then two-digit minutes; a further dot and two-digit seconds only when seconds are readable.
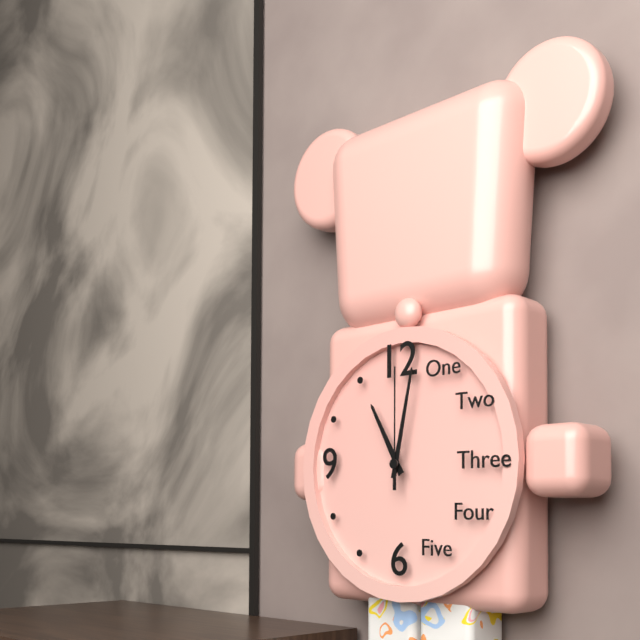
11.02.00
